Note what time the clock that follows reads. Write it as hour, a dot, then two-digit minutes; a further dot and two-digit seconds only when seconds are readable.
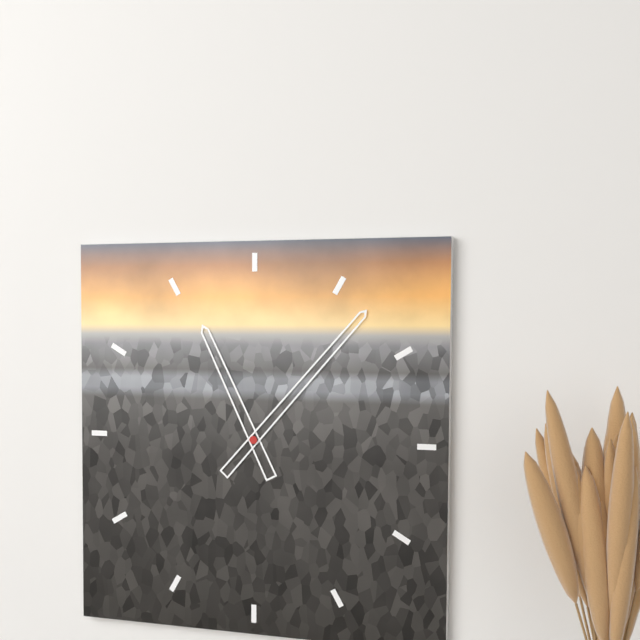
11.07
